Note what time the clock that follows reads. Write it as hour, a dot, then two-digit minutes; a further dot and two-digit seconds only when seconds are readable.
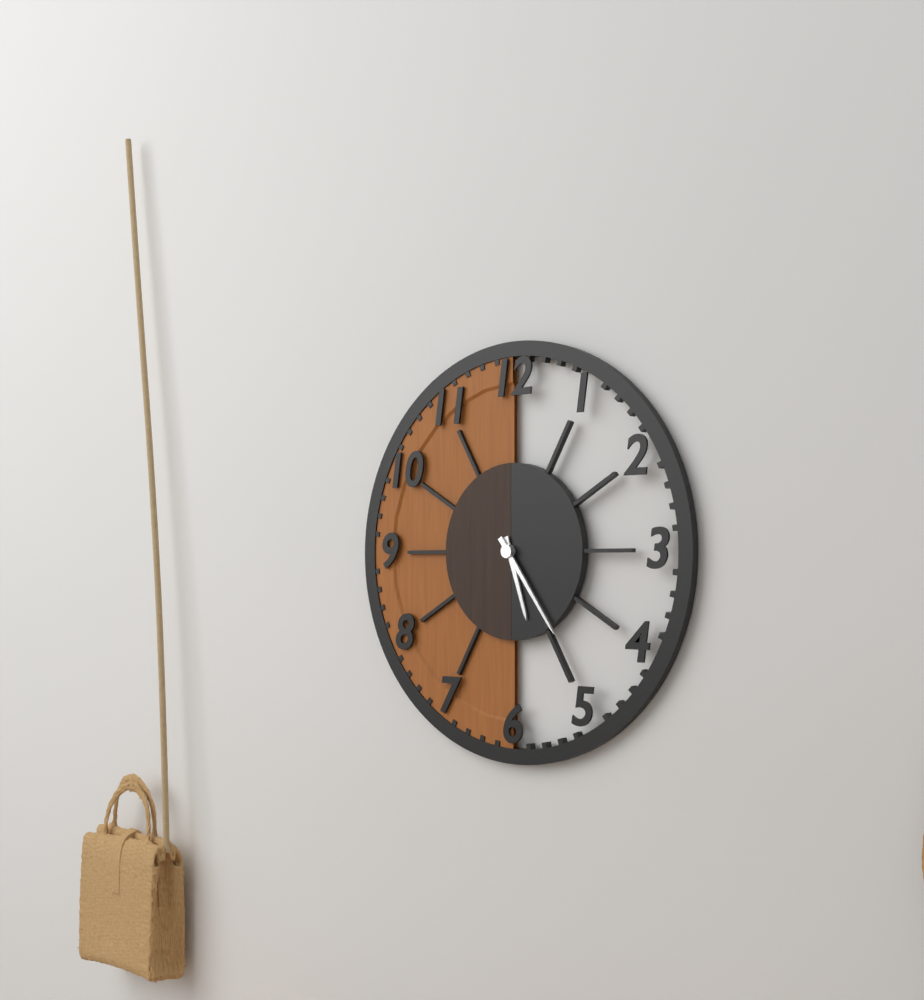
5.24
